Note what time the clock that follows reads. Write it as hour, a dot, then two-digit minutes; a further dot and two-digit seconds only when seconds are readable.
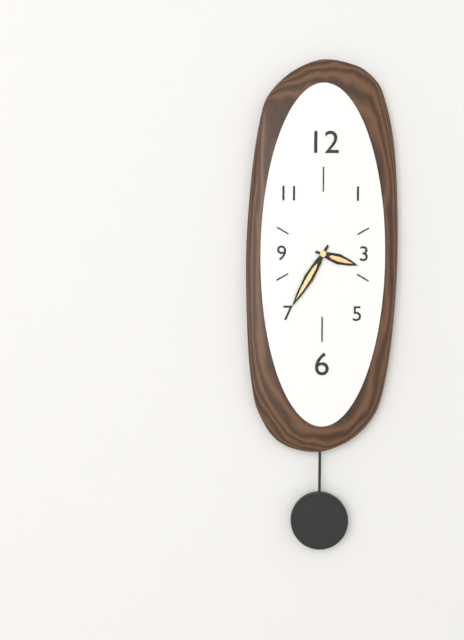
3.35
